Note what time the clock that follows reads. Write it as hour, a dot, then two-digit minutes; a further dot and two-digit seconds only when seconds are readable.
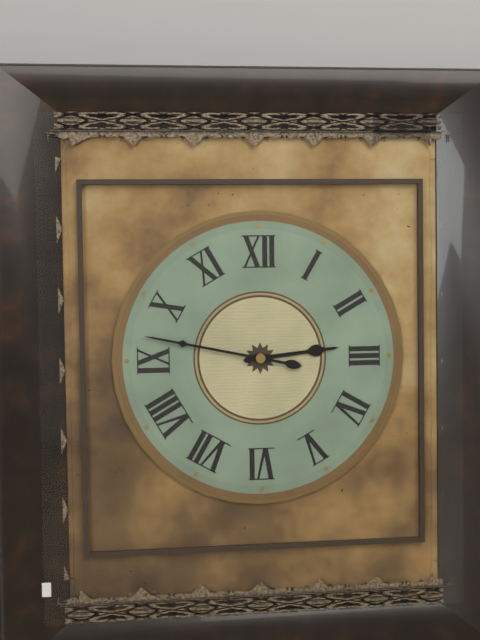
2.47
